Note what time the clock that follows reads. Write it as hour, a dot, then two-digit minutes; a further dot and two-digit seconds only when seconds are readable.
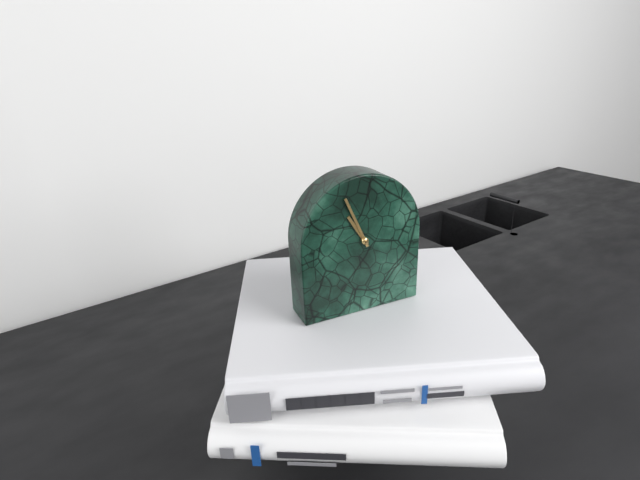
10.56
